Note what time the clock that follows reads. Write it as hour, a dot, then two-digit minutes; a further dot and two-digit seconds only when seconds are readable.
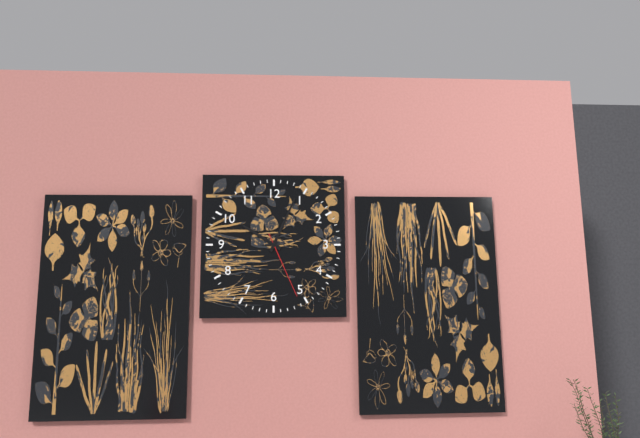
10.04.26
